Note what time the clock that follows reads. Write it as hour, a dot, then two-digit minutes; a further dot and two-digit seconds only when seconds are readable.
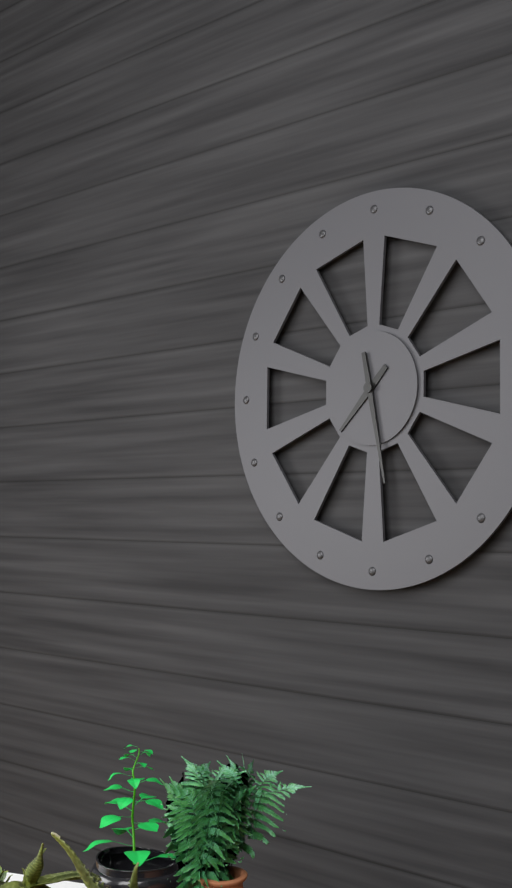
7.28
